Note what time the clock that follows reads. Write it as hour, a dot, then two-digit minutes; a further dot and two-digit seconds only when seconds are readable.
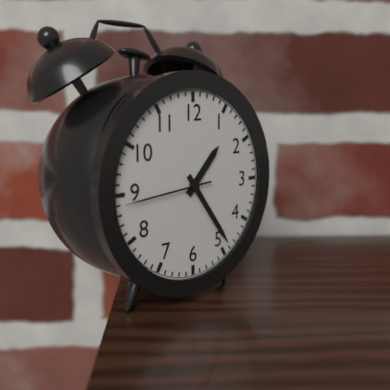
1.24.44
